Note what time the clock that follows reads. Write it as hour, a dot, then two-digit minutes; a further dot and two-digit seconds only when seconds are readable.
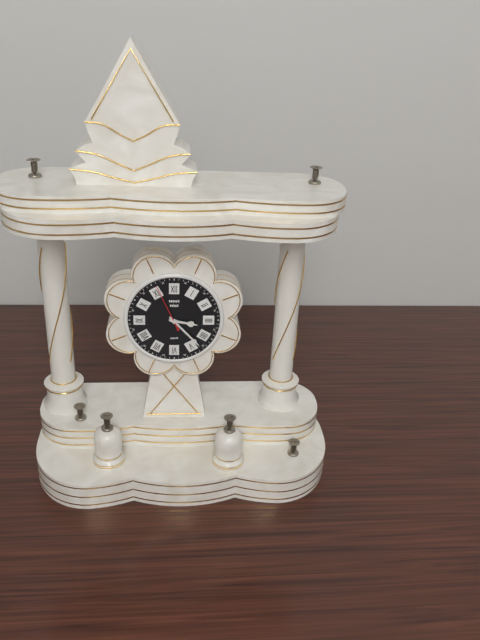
3.23.56
